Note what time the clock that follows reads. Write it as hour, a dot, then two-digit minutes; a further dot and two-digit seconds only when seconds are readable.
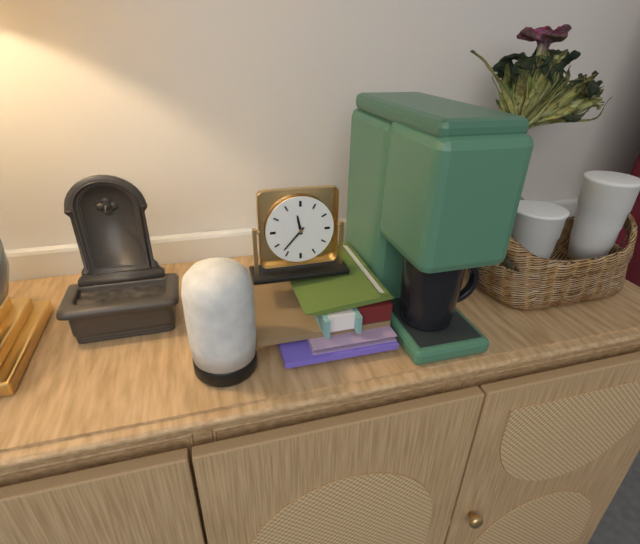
11.37
